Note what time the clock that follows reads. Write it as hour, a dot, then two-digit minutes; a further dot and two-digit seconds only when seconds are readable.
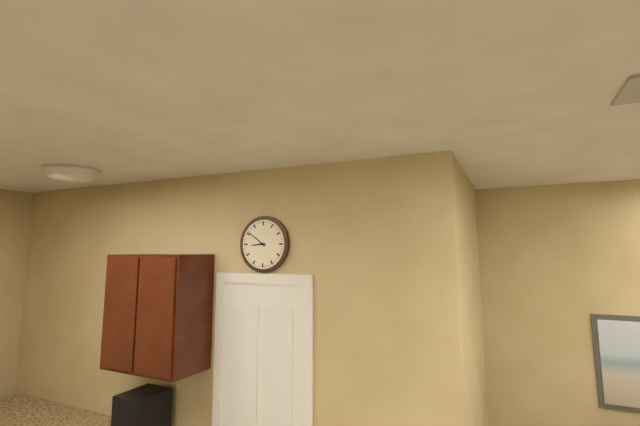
8.51
